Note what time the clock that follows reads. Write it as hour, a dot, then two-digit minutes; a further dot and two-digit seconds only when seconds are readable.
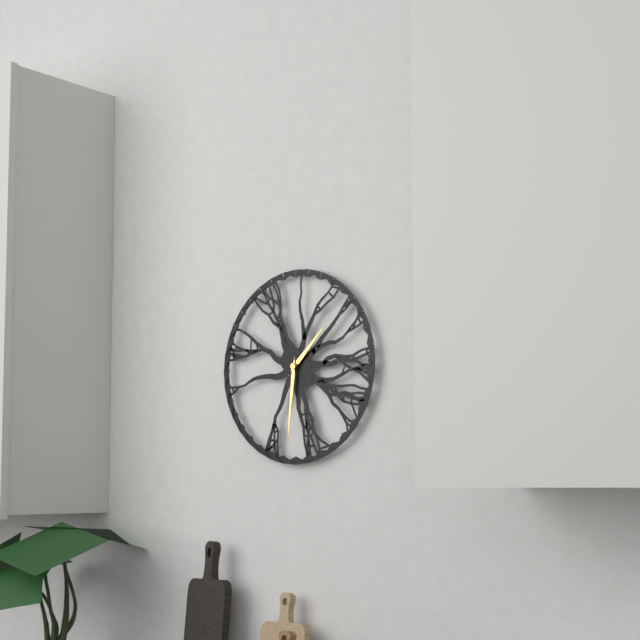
1.31
